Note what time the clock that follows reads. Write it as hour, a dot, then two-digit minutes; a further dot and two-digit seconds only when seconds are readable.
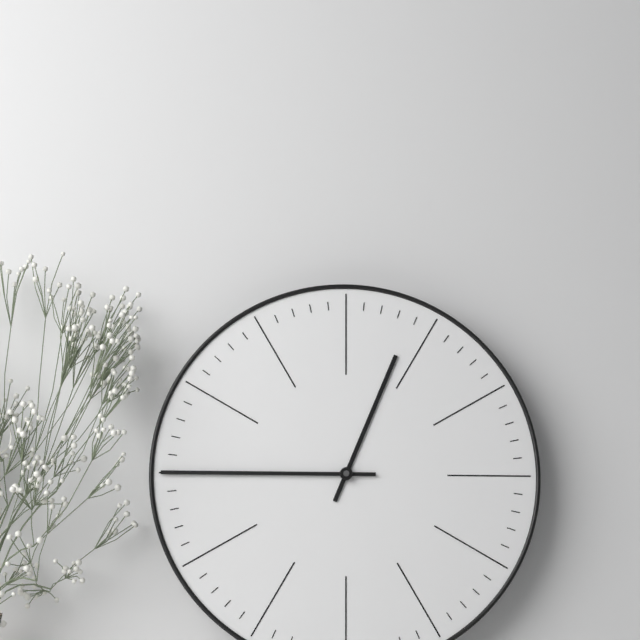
12.45
